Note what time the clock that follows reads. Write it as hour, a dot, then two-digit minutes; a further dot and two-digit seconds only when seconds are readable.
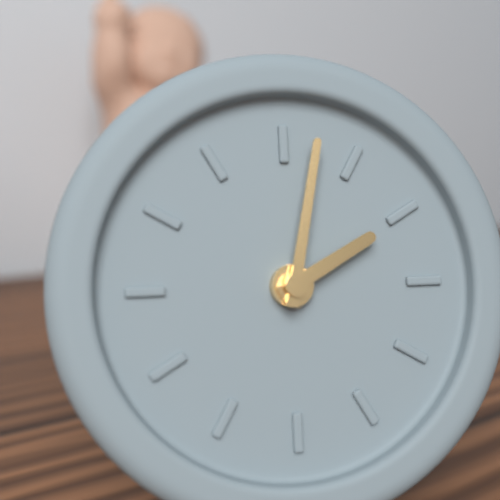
2.02
